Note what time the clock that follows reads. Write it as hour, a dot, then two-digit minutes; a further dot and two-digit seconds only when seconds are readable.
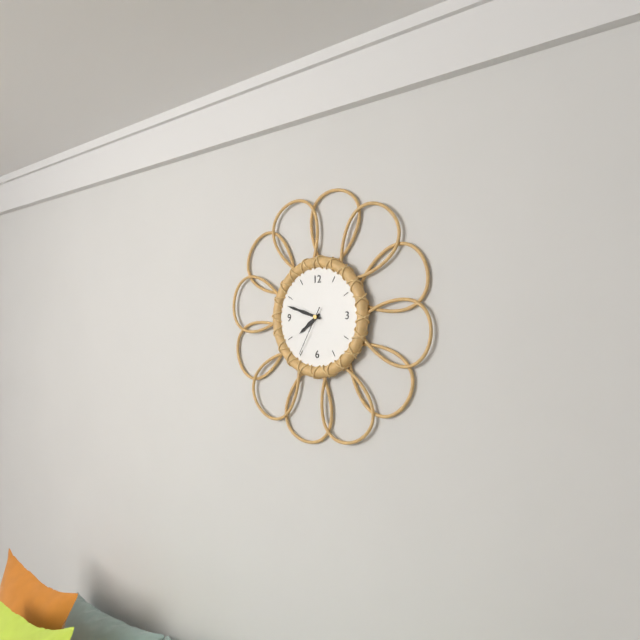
7.48.35
